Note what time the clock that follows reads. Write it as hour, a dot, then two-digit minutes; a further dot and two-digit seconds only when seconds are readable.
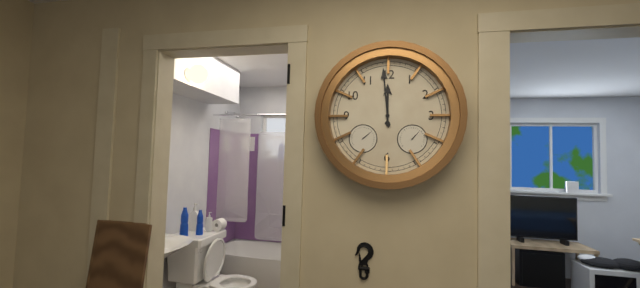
11.59
